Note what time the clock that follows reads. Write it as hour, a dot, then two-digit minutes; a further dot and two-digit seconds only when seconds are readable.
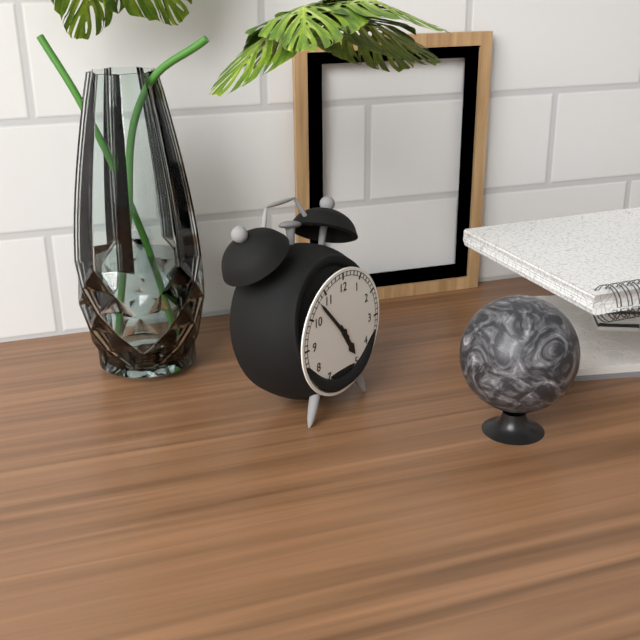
4.53
